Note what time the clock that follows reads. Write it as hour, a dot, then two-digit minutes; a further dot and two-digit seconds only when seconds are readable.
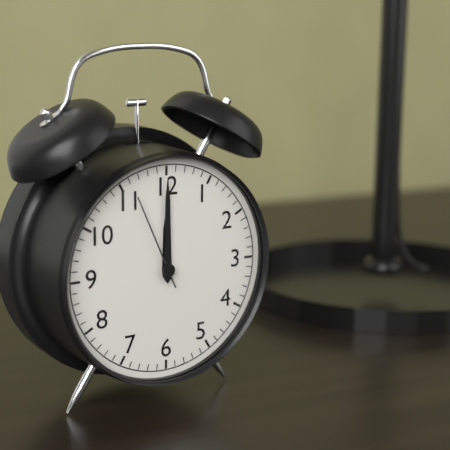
12.00.56
